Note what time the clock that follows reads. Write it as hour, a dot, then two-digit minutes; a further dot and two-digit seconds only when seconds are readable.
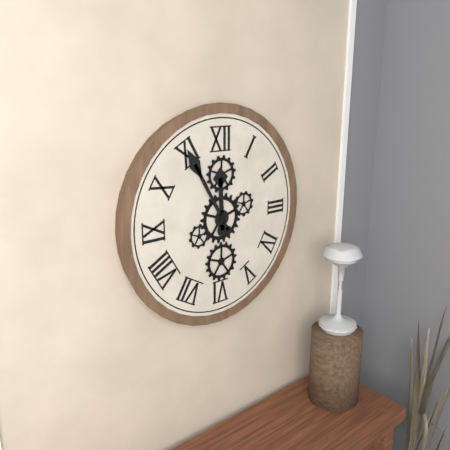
11.55
